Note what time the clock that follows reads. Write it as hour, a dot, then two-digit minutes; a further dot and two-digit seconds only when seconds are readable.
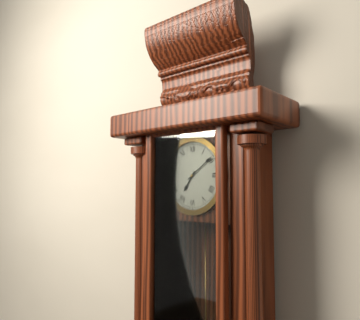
7.09
